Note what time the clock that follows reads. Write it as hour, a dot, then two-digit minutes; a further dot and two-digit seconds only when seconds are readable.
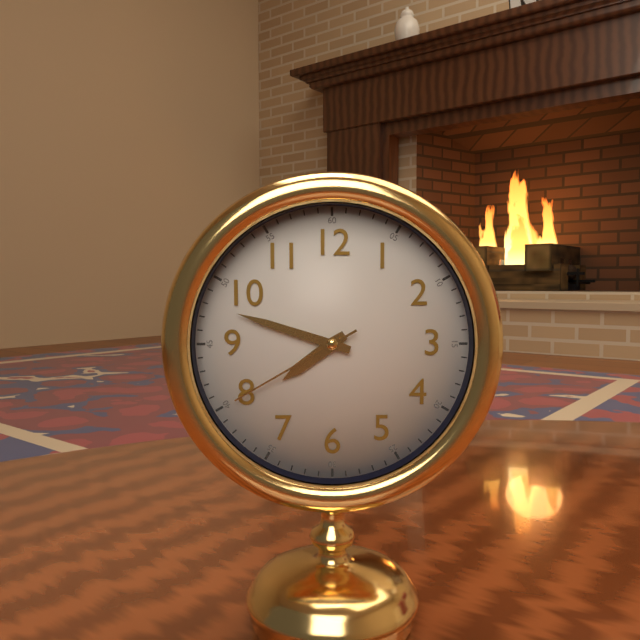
7.48.40
